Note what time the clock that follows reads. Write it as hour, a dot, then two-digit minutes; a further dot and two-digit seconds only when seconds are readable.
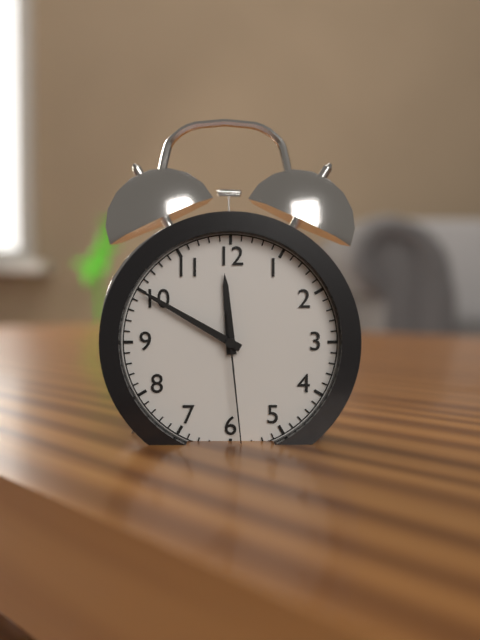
11.50.29
